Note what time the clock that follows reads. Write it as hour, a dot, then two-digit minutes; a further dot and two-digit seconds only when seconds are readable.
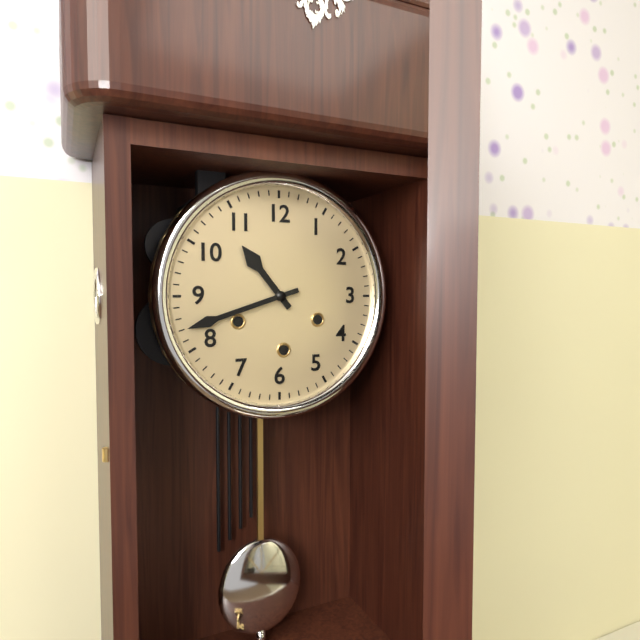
10.42
